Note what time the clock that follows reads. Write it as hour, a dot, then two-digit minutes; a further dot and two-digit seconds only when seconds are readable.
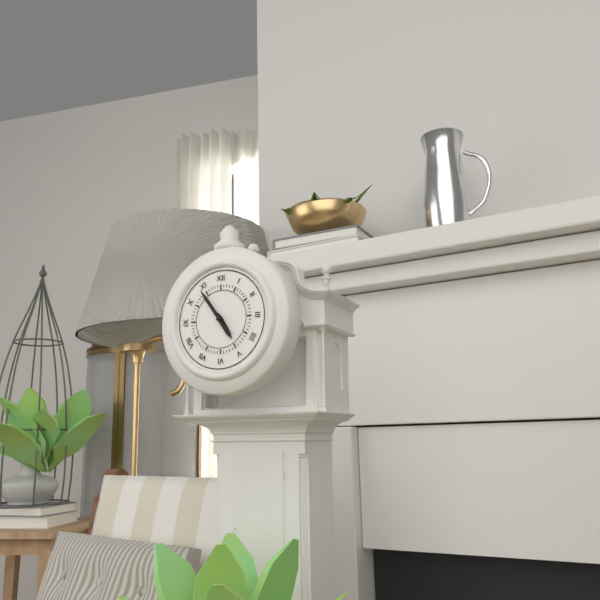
4.54
